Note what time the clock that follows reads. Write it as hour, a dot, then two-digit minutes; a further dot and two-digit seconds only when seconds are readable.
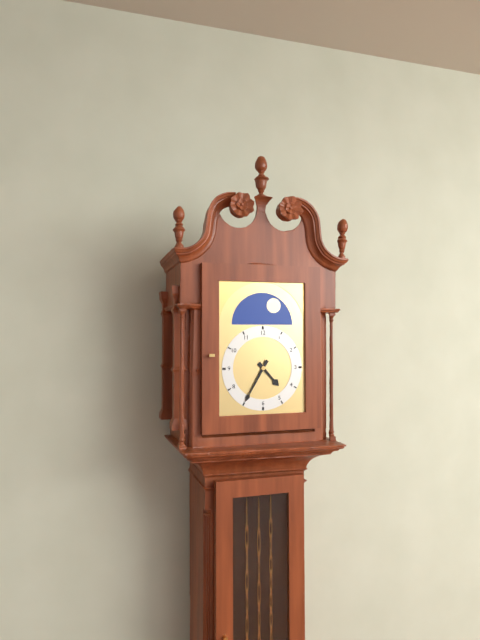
4.35
